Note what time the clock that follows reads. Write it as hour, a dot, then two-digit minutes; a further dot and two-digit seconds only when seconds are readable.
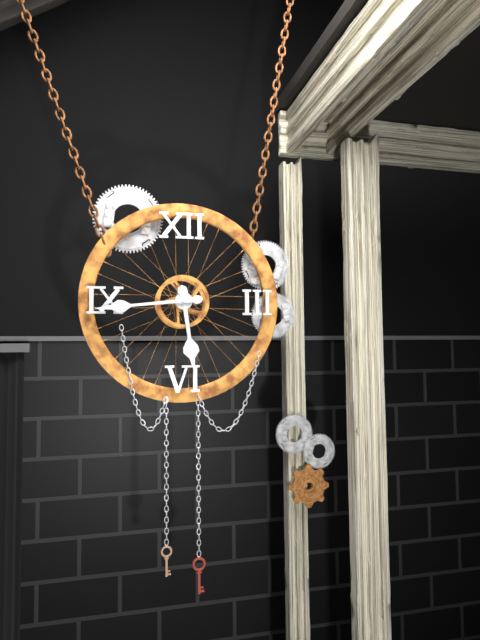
5.44
